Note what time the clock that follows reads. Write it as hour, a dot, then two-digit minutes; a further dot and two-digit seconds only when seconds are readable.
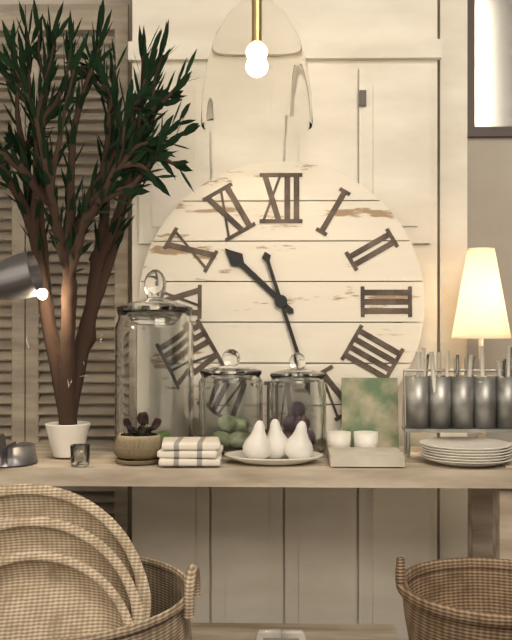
10.27
